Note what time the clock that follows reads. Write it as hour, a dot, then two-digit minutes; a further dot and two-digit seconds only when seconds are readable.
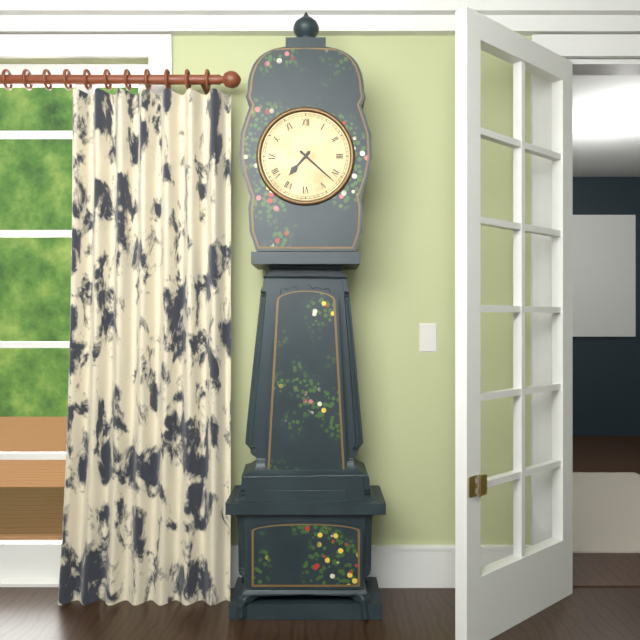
7.22
